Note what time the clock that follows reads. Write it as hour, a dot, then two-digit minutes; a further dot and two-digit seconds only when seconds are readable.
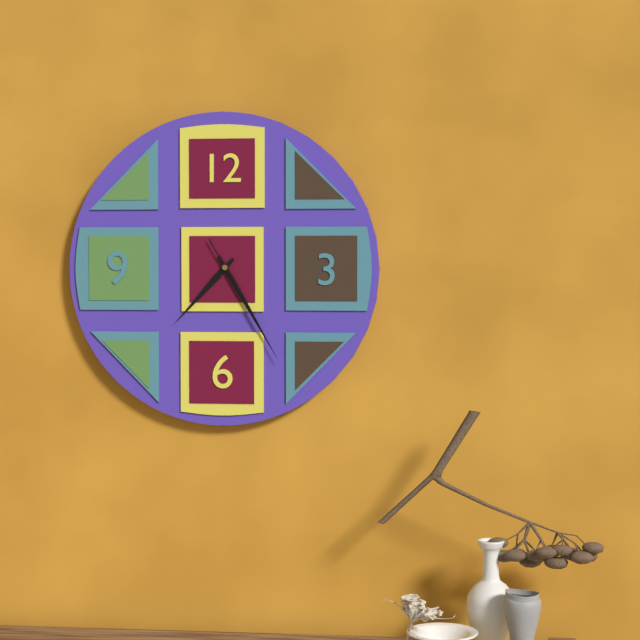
7.25.25
